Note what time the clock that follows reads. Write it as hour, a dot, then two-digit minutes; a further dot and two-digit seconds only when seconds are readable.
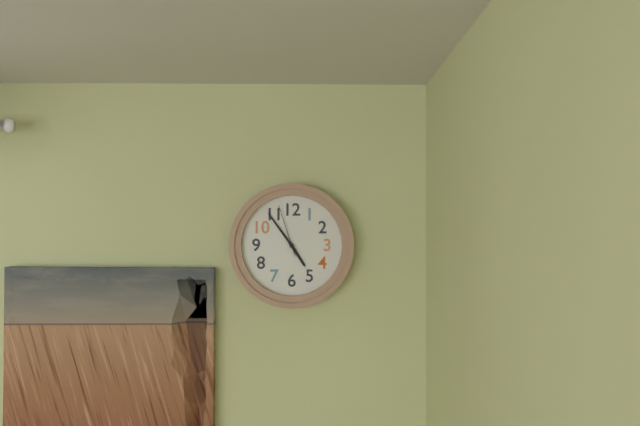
4.54.57
